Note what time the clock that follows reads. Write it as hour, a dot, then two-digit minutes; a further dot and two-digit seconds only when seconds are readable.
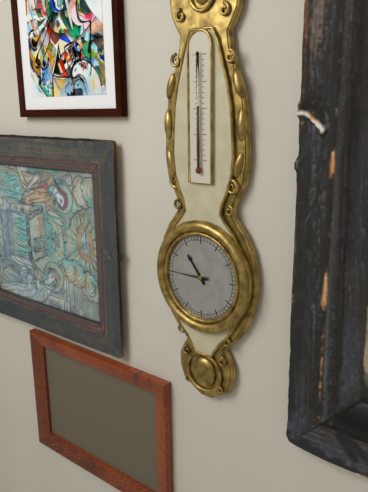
10.45
